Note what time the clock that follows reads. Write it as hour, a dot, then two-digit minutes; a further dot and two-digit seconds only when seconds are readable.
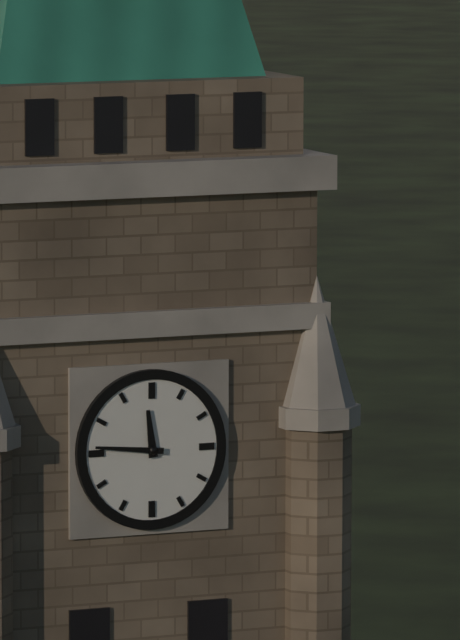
11.46
